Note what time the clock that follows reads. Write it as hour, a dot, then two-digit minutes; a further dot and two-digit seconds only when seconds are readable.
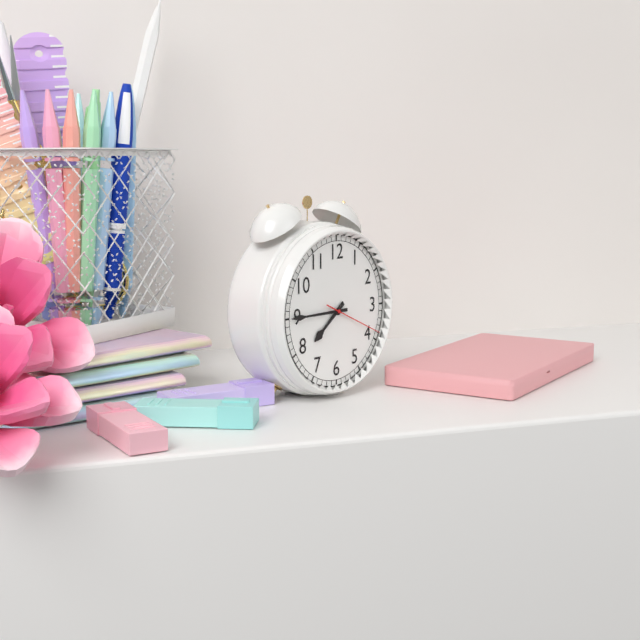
7.45.19
